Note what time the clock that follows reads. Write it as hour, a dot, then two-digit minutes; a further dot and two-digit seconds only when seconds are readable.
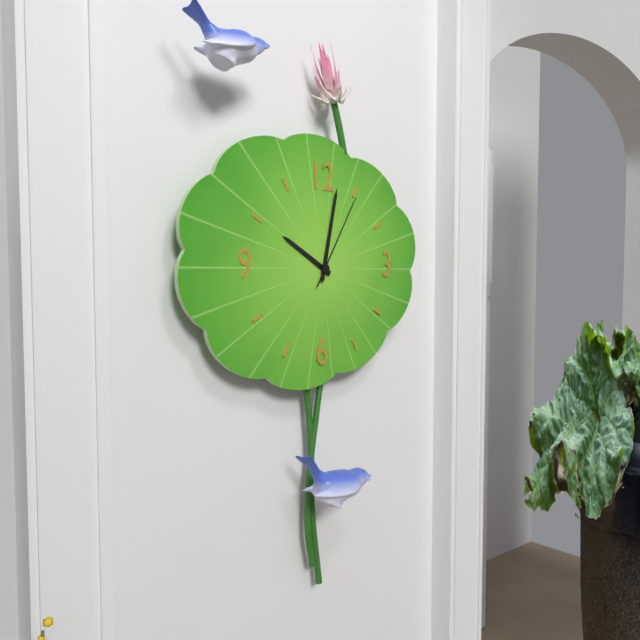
10.02.05
